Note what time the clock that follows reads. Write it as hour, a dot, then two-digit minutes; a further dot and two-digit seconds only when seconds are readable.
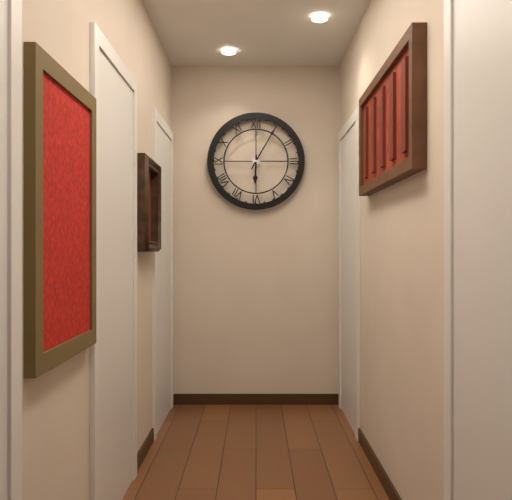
6.05
